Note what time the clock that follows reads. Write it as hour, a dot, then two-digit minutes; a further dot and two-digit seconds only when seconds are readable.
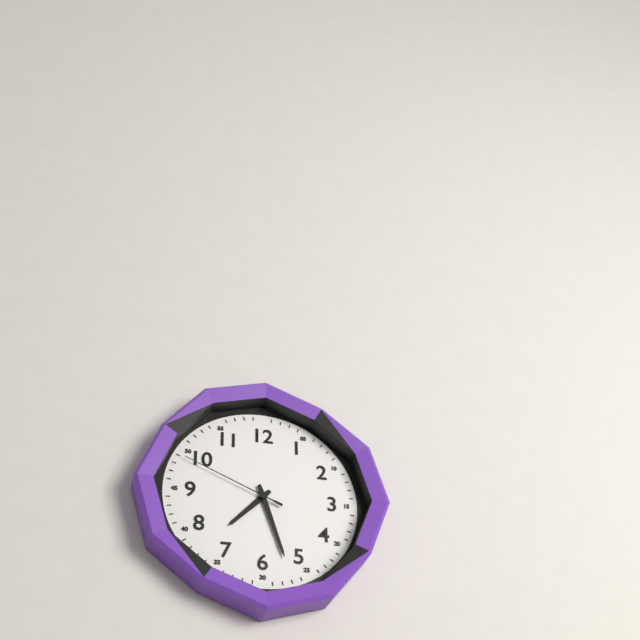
7.27.49
